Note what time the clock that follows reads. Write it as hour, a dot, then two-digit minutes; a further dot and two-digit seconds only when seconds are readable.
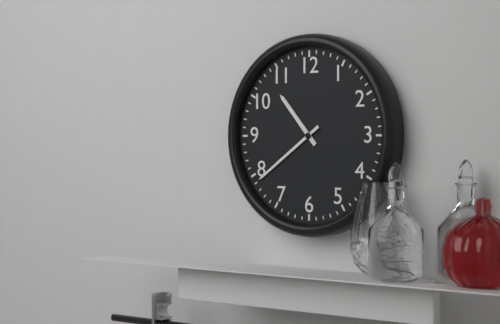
10.39
